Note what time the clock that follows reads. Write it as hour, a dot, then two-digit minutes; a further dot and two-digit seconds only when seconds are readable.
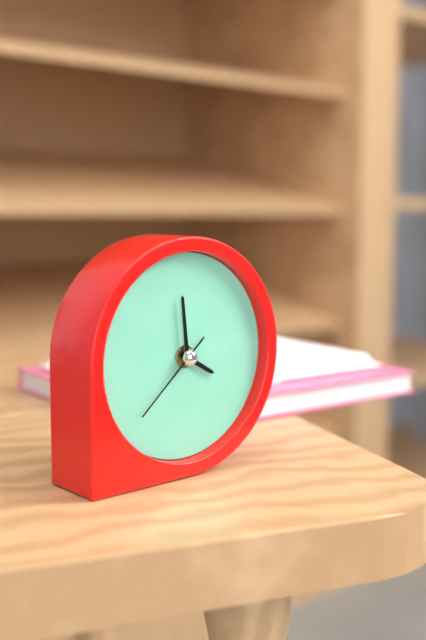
3.59.38
